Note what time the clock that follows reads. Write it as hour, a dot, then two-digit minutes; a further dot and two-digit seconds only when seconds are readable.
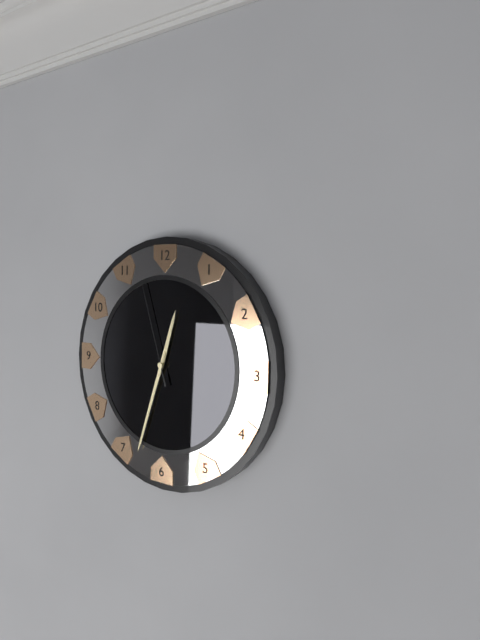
12.33.57
